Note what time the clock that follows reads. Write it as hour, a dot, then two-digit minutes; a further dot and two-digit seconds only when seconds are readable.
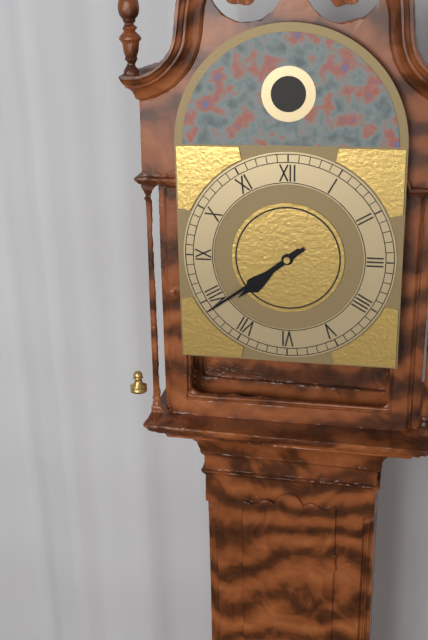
7.39
